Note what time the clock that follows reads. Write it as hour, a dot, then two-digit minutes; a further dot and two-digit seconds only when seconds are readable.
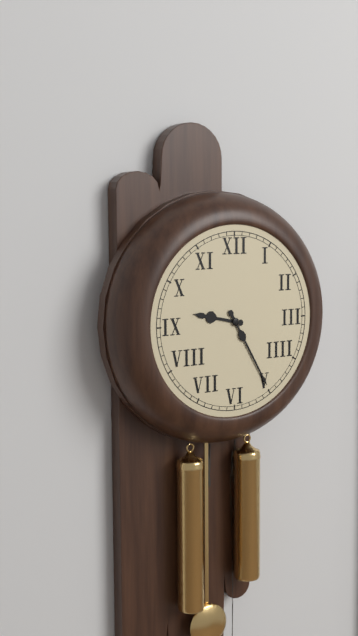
9.25
